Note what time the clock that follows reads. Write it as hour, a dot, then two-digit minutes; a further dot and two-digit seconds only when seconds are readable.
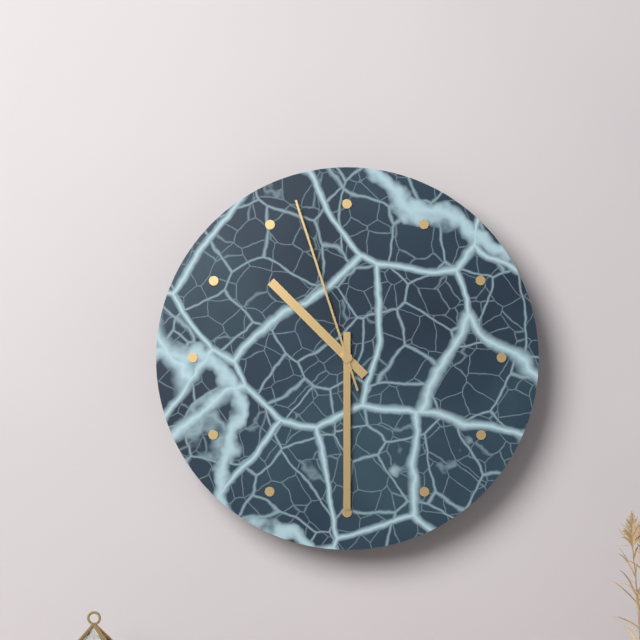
10.30.57
